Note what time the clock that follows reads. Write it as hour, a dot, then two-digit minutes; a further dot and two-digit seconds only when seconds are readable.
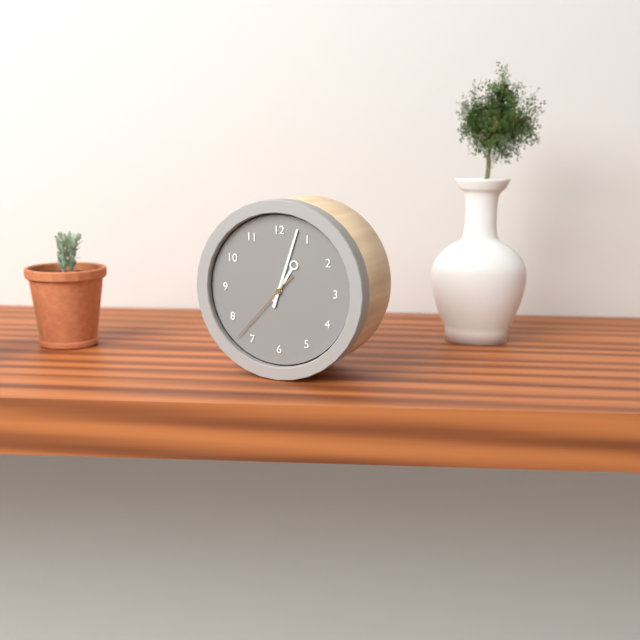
1.03.37
